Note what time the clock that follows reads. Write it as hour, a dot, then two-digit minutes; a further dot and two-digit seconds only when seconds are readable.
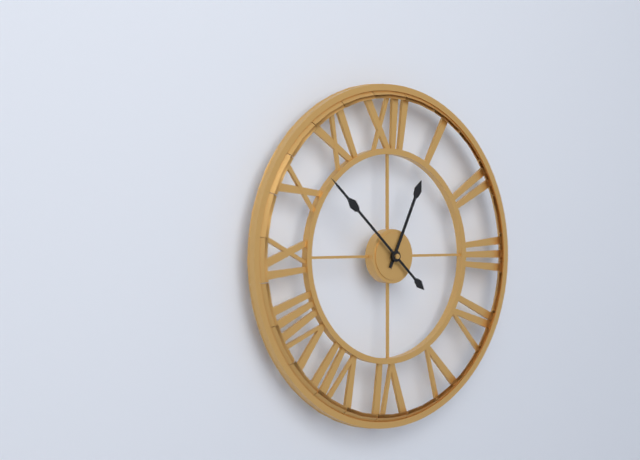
12.52
